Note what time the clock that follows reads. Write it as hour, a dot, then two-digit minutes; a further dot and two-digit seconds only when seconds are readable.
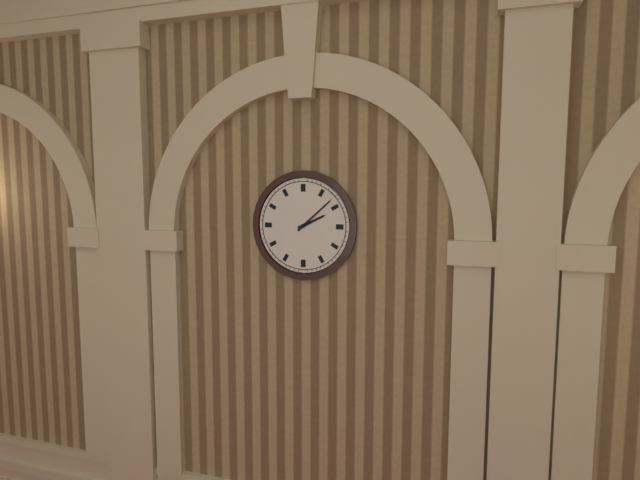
2.08
